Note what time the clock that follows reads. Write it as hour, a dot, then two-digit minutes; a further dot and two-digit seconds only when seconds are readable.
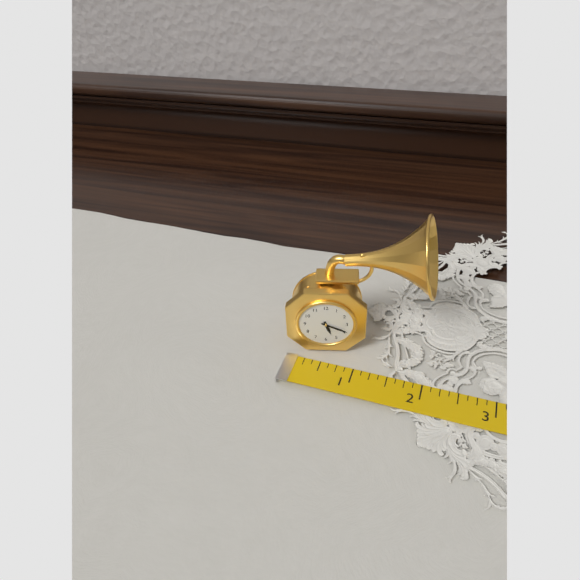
5.19
